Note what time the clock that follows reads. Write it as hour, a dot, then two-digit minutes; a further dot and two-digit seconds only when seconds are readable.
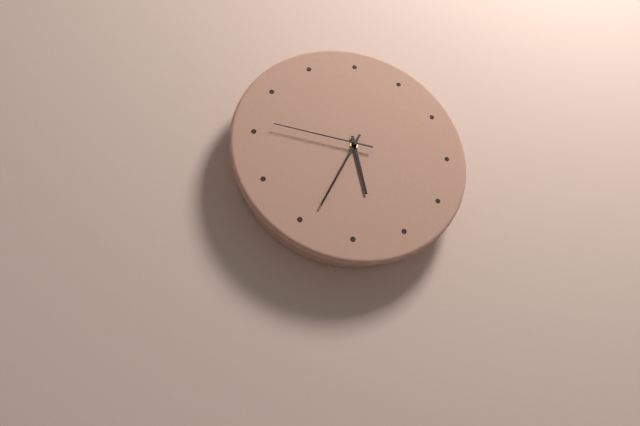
5.34.46
